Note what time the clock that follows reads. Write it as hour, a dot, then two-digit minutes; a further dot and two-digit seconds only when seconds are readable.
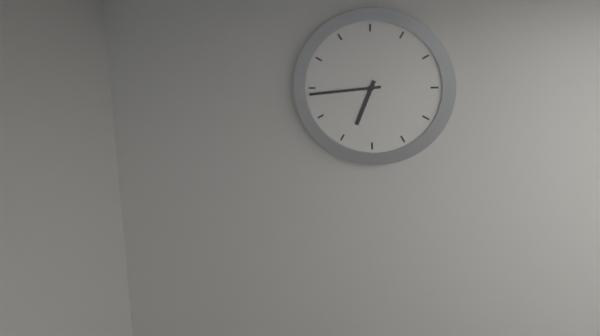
6.44
